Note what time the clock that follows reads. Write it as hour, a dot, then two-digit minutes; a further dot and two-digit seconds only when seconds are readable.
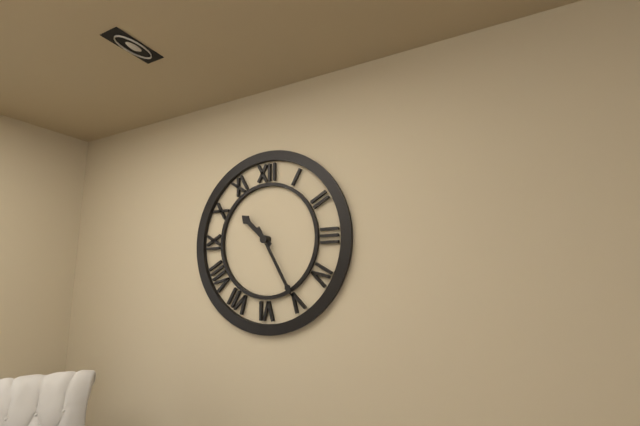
10.25
